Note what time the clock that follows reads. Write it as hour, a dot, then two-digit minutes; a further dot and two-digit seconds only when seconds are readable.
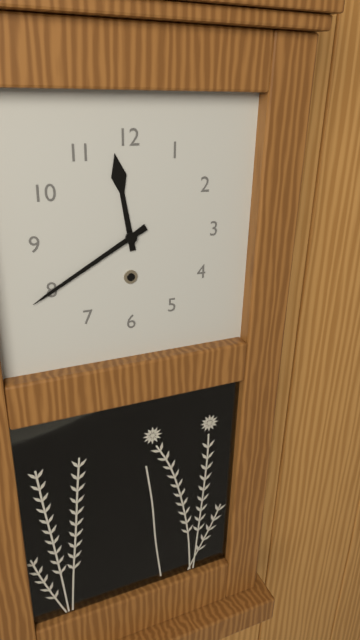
11.40
